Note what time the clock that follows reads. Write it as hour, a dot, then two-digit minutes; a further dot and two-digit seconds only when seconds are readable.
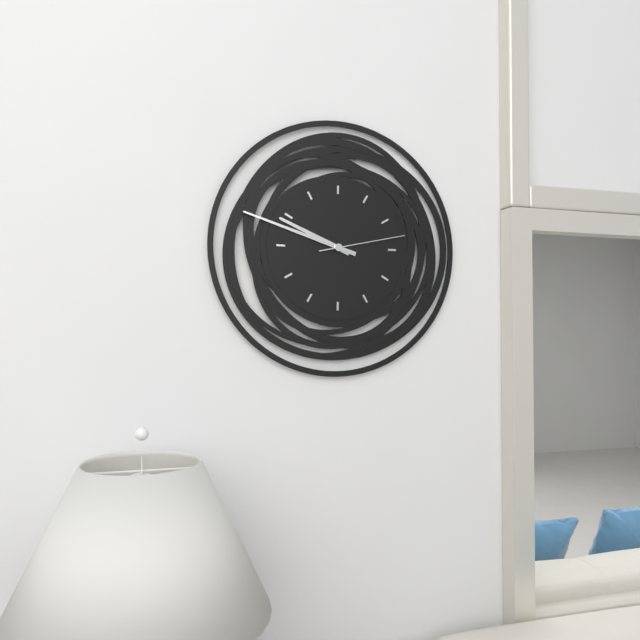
9.48.13
